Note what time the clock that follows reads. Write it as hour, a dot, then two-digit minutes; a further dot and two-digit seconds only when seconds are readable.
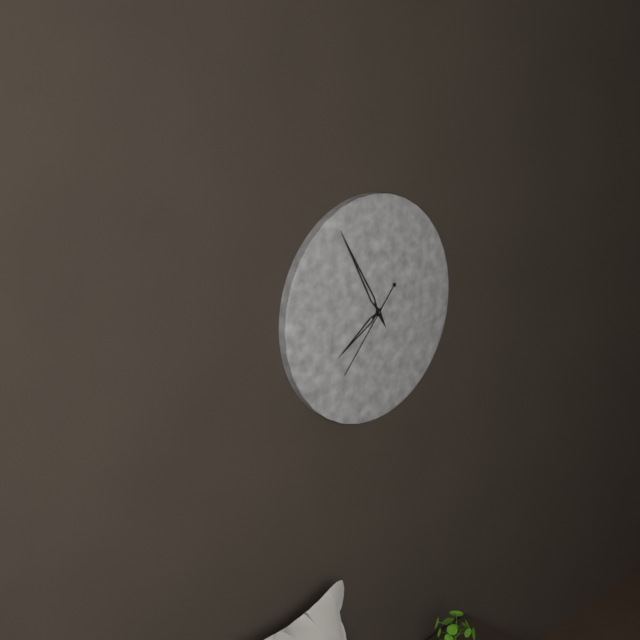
7.55.37
